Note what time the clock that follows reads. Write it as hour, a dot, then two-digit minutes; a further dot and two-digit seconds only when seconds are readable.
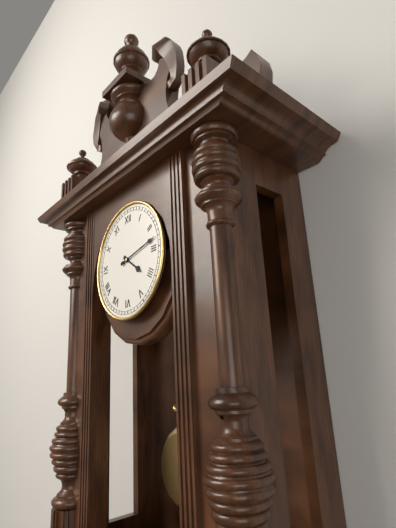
4.13
